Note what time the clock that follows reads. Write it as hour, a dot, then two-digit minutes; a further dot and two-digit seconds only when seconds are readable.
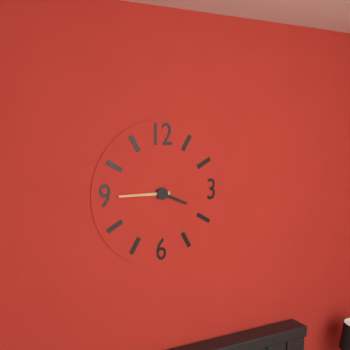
3.45
